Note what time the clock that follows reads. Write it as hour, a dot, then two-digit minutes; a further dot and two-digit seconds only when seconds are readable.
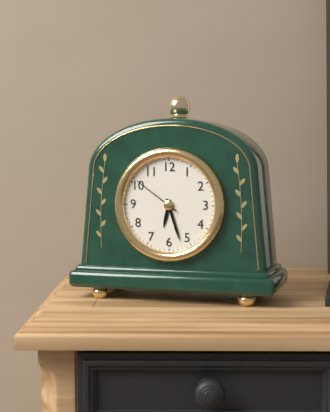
6.27.51
